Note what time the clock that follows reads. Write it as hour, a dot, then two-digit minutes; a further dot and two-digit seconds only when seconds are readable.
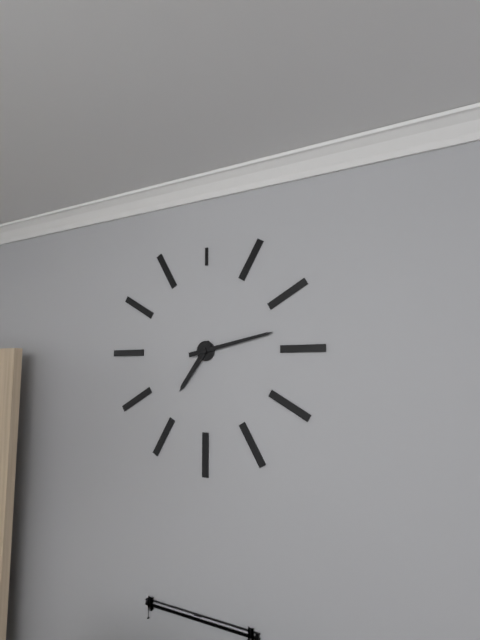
7.13
